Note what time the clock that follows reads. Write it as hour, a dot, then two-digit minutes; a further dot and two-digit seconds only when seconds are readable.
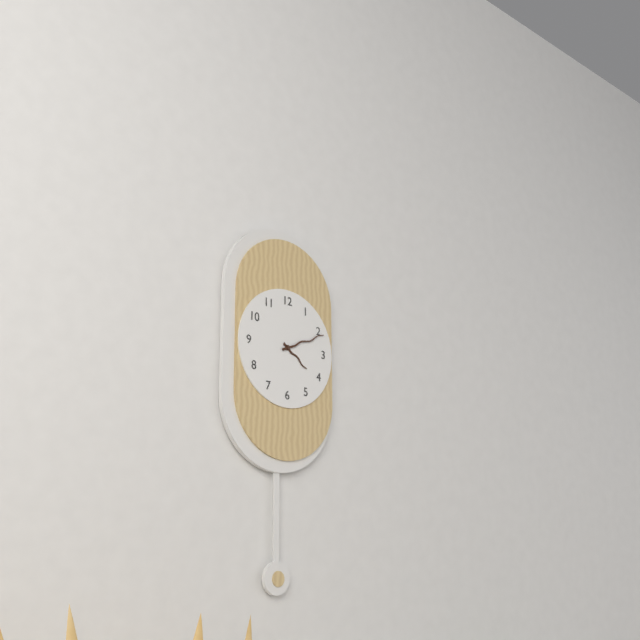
4.11
